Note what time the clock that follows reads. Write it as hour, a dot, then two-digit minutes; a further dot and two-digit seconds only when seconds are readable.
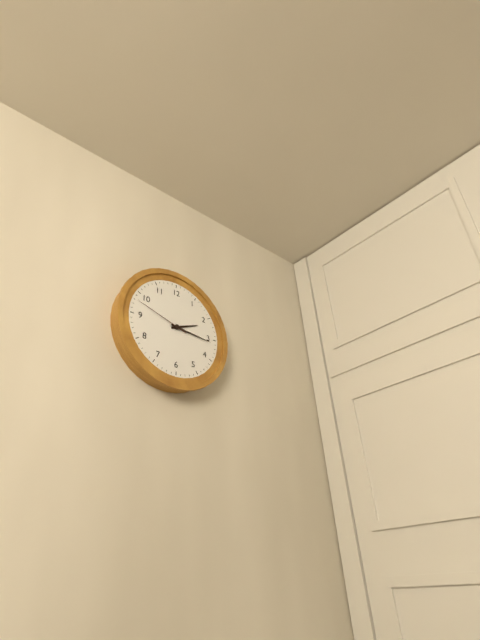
2.16.48
